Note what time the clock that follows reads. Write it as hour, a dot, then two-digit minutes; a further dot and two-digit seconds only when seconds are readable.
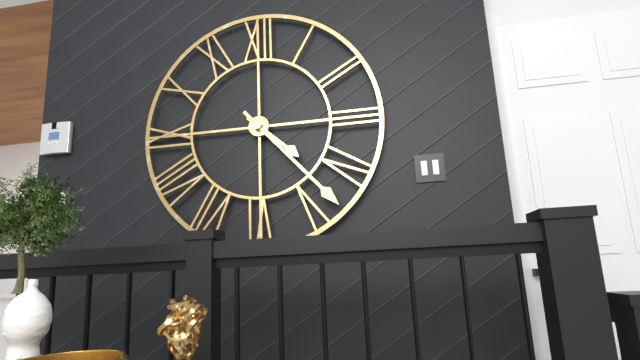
4.23
